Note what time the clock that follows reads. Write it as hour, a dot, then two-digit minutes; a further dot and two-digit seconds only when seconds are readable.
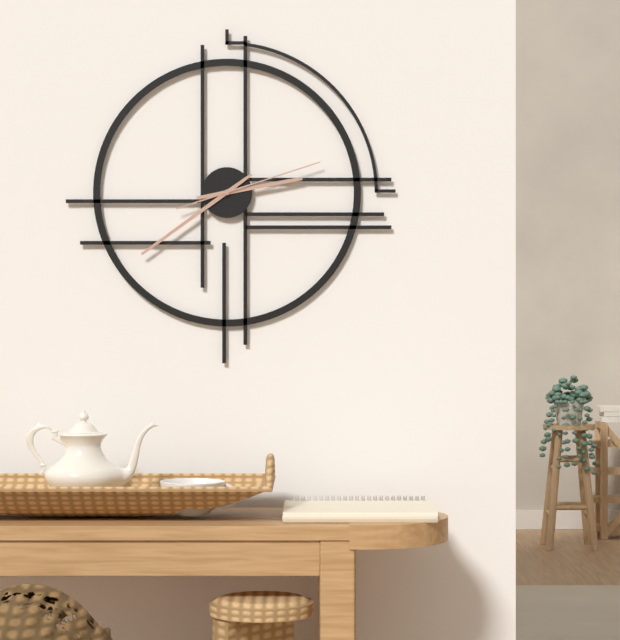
2.39.12
